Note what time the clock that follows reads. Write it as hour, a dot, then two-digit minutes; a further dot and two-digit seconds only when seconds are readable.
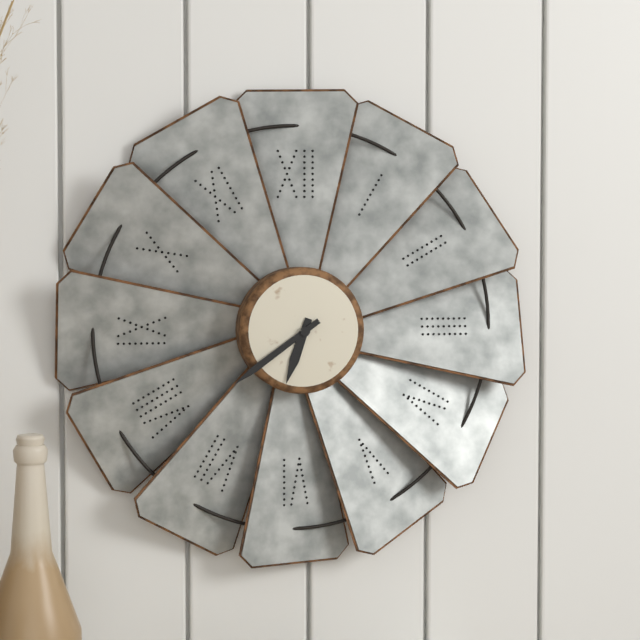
6.39
